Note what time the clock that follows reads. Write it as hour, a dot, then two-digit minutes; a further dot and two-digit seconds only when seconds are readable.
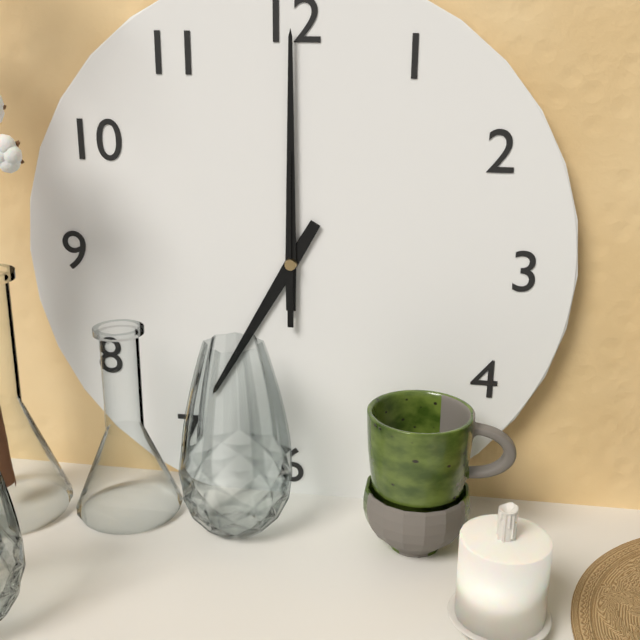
7.00.00
